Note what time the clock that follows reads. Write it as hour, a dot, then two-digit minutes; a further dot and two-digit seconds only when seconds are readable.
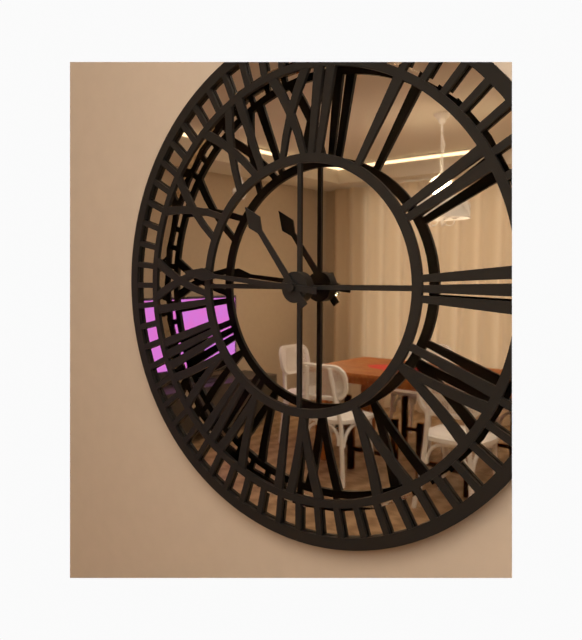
10.46
